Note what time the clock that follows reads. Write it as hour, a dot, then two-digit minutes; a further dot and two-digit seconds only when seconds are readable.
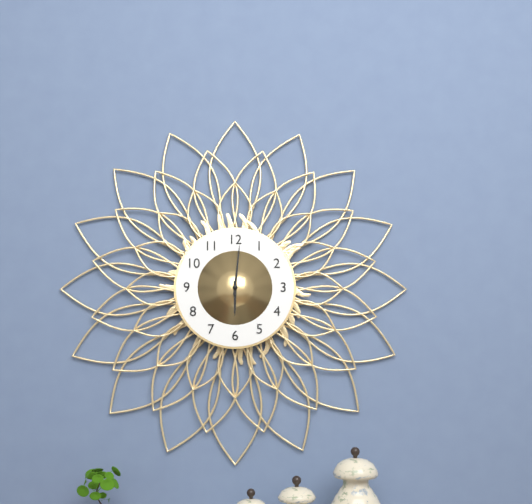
6.01
